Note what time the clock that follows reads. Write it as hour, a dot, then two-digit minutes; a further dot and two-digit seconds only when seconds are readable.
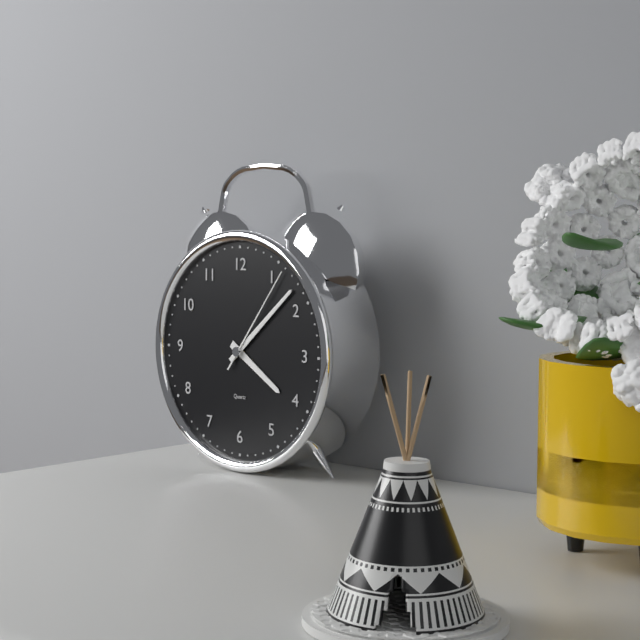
4.08.06
